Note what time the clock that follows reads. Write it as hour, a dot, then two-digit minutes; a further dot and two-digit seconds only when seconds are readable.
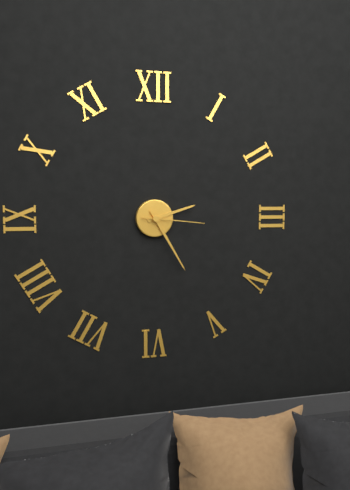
2.25.16
